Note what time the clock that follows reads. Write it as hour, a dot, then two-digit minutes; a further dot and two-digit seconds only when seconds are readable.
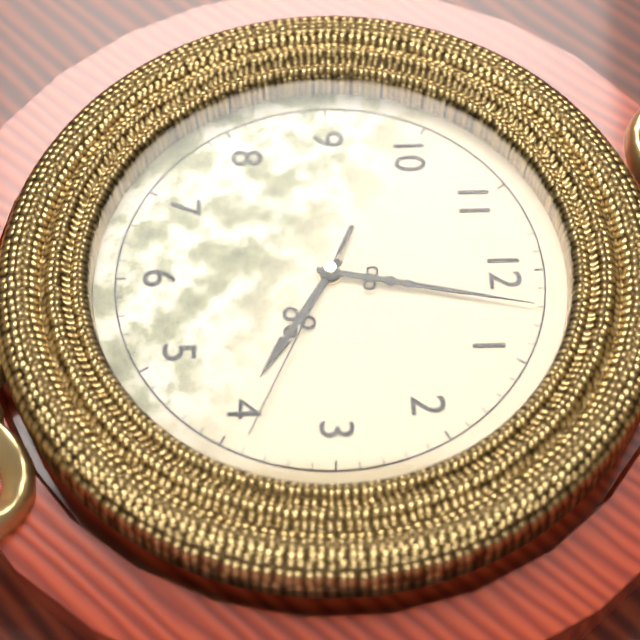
4.02.19
